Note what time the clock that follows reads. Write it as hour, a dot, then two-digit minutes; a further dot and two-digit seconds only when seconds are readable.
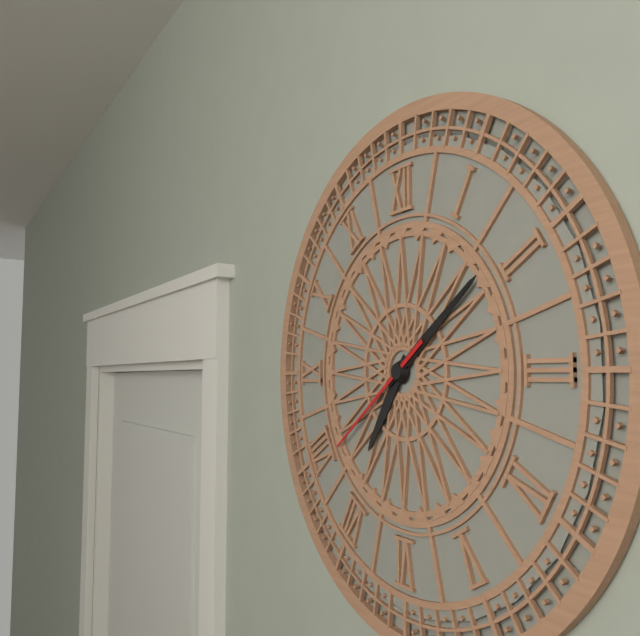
7.09.39
